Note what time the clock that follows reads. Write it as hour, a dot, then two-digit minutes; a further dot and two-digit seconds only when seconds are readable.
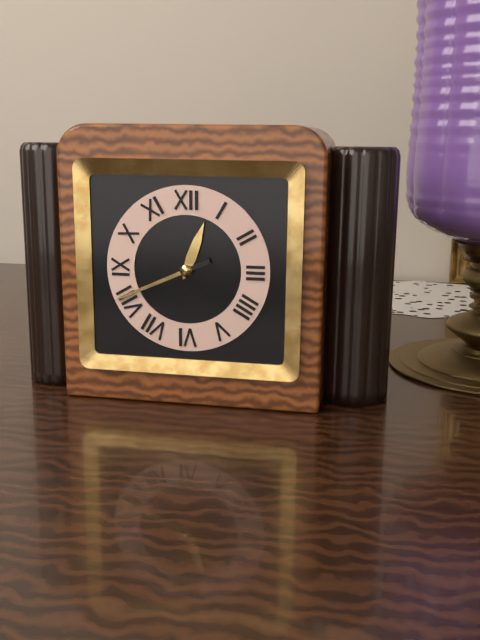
12.41
